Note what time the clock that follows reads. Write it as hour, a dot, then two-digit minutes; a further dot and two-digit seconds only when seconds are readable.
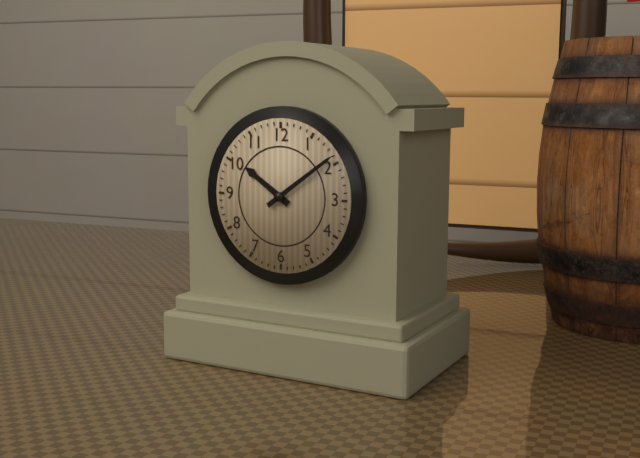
10.09
